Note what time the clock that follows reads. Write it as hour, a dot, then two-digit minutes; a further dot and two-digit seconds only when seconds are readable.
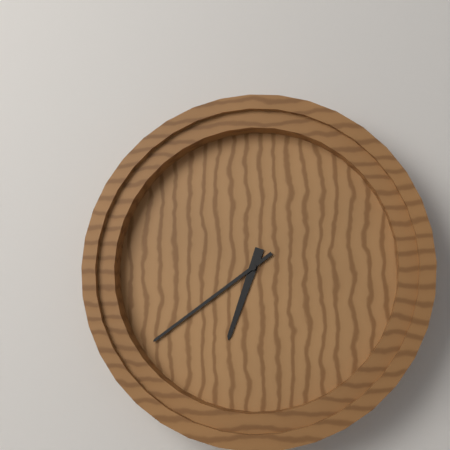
6.39
